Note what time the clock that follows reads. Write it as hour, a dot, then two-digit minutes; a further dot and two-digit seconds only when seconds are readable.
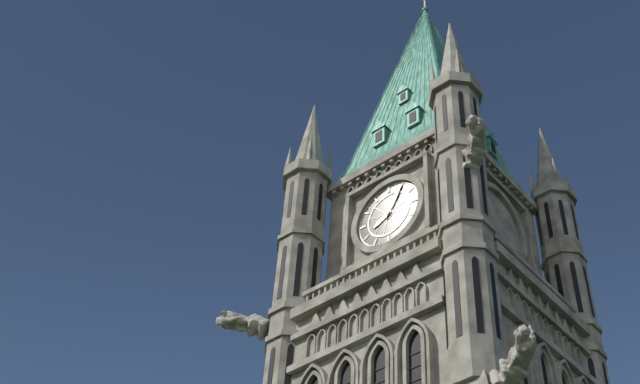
8.05
